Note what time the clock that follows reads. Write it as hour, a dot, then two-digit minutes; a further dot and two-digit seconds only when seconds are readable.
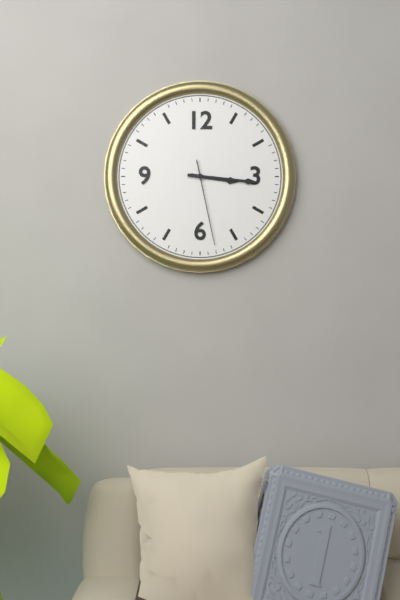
3.16.28
